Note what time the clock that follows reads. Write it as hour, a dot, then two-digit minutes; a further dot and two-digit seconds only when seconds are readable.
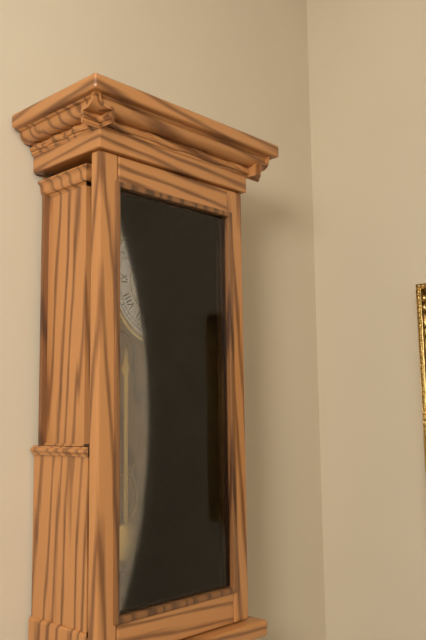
6.13
